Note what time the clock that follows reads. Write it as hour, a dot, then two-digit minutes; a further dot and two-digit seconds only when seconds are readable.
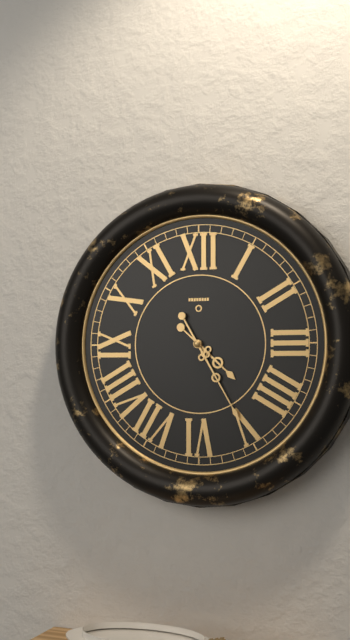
4.25
